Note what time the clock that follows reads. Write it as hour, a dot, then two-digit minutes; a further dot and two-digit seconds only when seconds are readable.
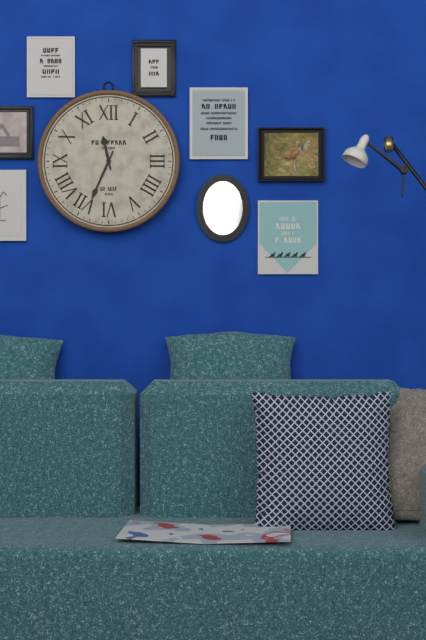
11.34
